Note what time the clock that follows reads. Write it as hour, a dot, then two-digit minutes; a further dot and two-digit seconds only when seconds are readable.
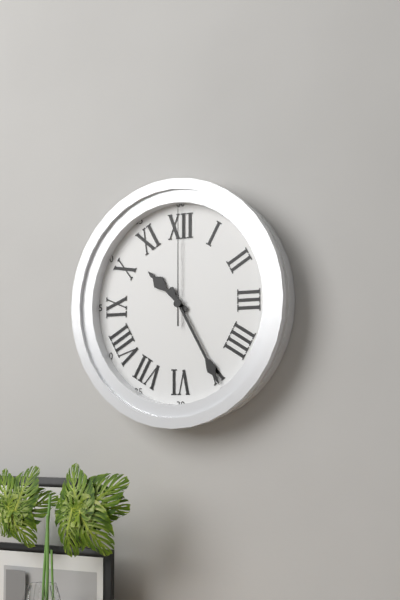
10.25.00
